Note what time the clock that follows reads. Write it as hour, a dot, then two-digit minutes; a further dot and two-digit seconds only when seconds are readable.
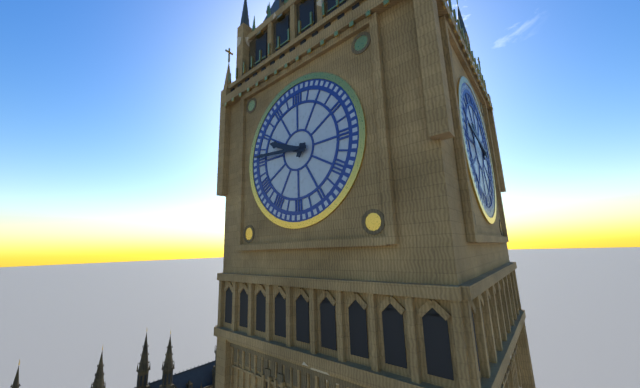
9.46
